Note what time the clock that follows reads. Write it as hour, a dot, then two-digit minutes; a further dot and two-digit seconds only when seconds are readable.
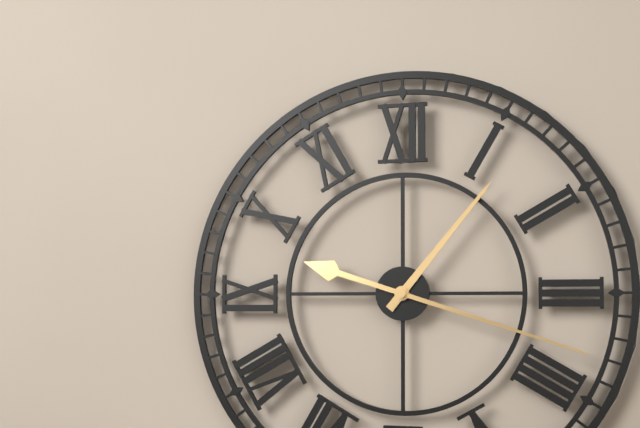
1.18
